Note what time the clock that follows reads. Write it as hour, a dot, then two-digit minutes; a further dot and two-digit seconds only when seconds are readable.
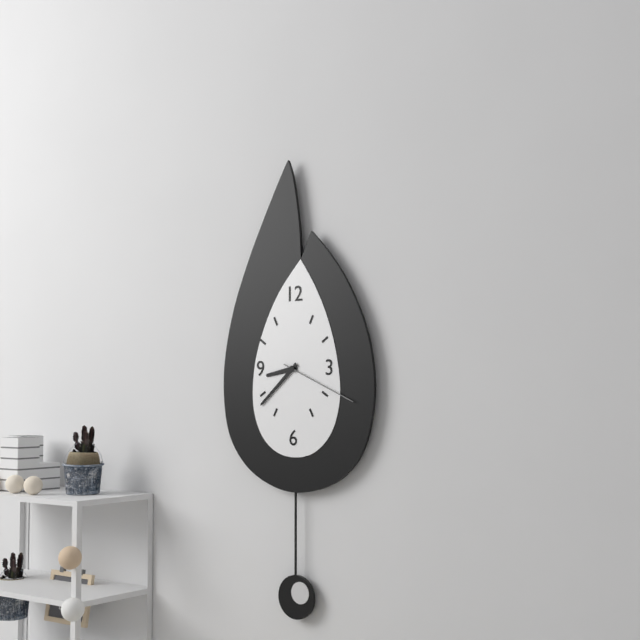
8.38.19
